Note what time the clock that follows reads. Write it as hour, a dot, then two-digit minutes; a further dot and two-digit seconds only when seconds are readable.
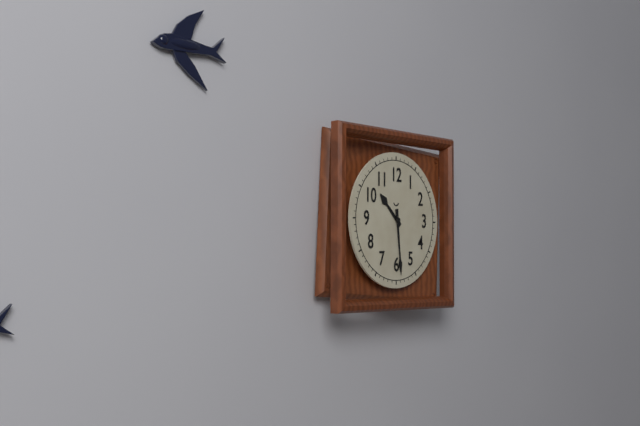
10.29
